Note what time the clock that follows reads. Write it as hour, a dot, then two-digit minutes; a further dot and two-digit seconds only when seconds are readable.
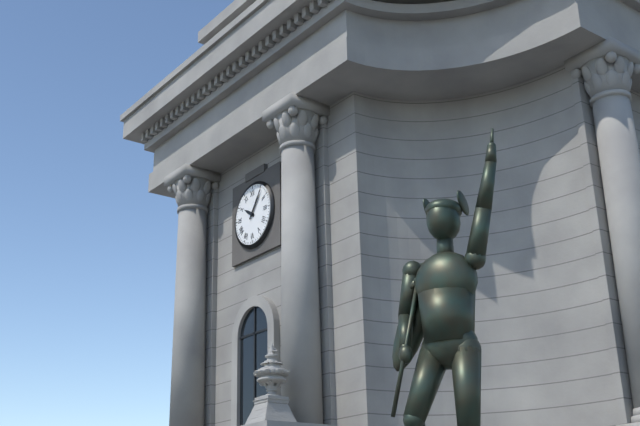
10.06
